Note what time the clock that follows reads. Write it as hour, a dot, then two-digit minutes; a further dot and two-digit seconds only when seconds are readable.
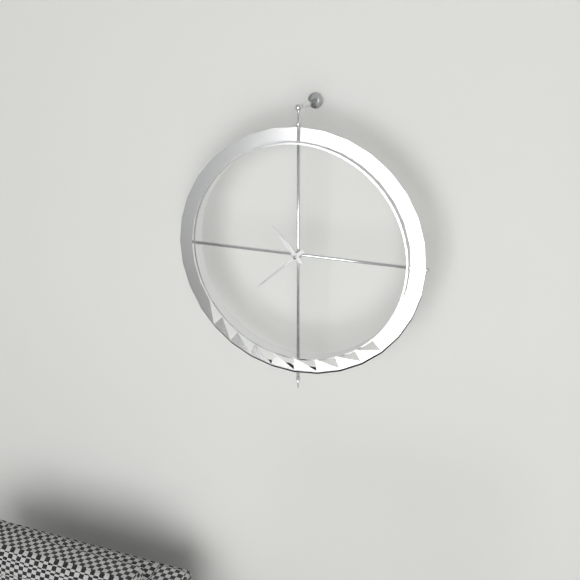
10.38
